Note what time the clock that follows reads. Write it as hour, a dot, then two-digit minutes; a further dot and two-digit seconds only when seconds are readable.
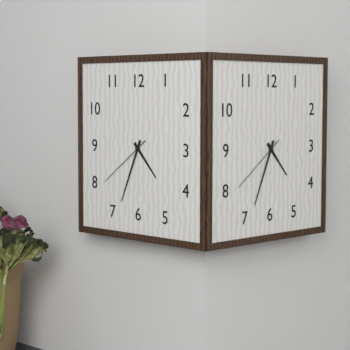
4.34.39
